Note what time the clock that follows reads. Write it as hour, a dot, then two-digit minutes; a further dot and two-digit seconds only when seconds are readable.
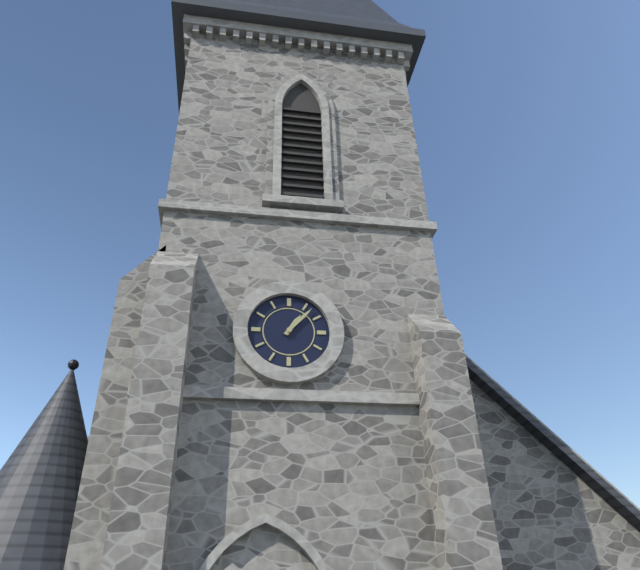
1.07
